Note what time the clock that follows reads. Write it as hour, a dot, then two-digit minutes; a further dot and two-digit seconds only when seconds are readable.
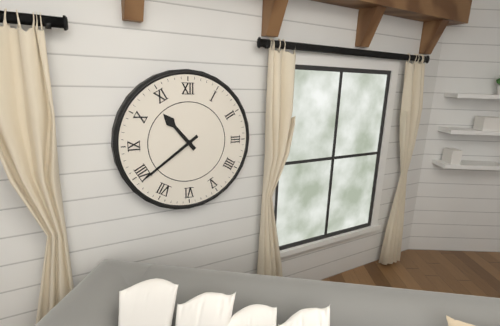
10.39
